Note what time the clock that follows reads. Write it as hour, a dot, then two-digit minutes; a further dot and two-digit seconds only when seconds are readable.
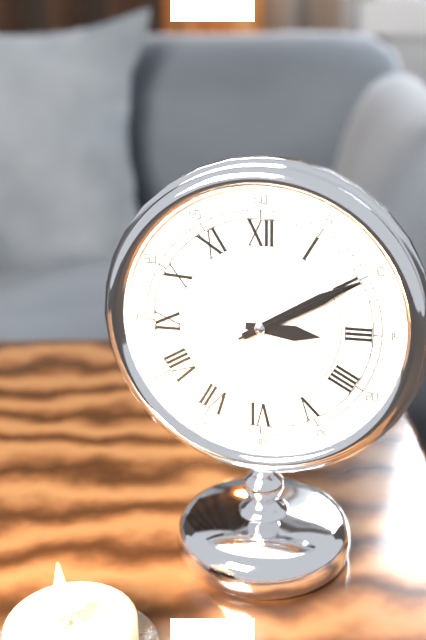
3.10.10
